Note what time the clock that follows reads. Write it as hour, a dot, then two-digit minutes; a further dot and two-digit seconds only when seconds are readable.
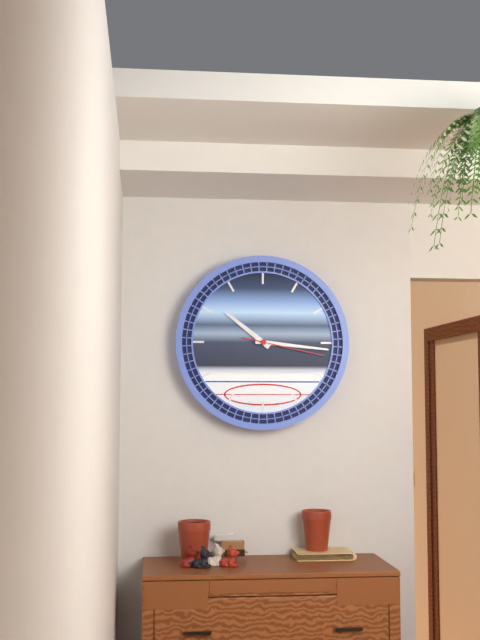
10.16.17
